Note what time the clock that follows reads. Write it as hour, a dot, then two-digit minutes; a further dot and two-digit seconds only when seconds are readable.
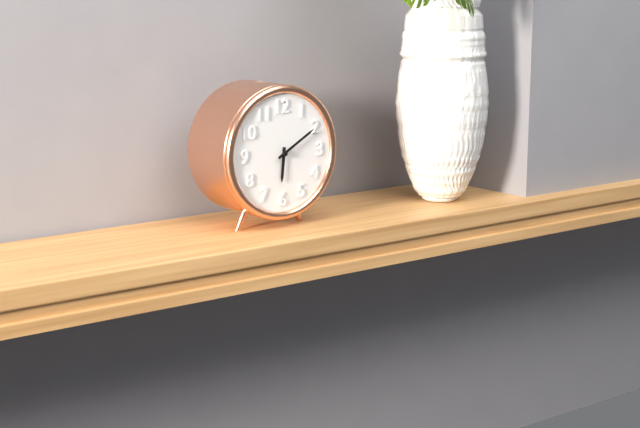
6.10
